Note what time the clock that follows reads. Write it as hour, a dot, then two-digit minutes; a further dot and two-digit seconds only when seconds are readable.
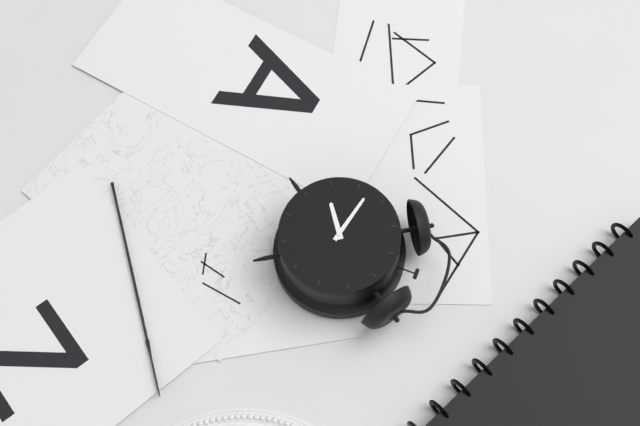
7.47
